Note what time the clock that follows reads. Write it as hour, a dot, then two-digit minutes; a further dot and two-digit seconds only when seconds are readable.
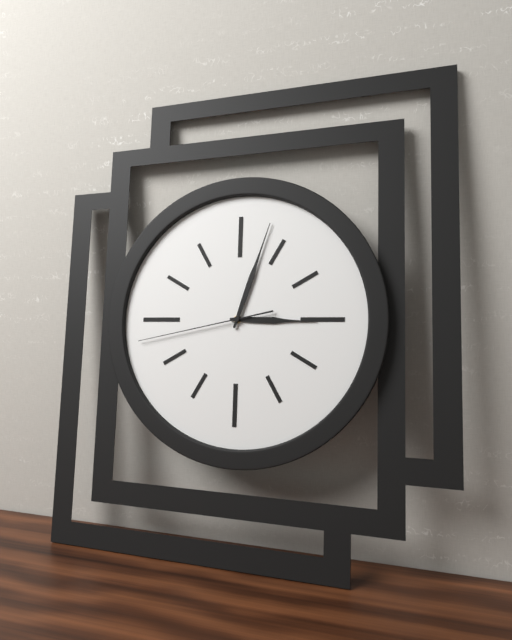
3.03.43
